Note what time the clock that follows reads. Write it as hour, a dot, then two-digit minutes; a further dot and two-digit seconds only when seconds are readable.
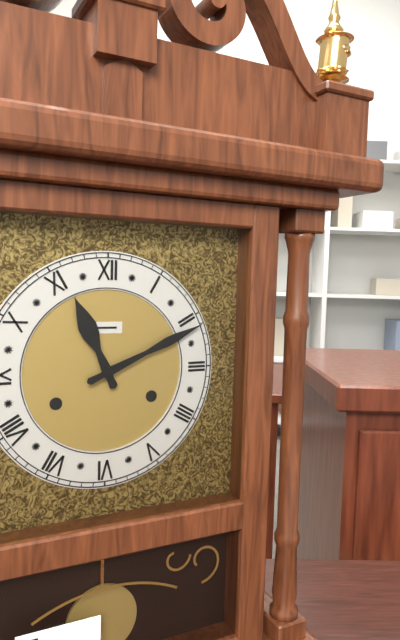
11.11
